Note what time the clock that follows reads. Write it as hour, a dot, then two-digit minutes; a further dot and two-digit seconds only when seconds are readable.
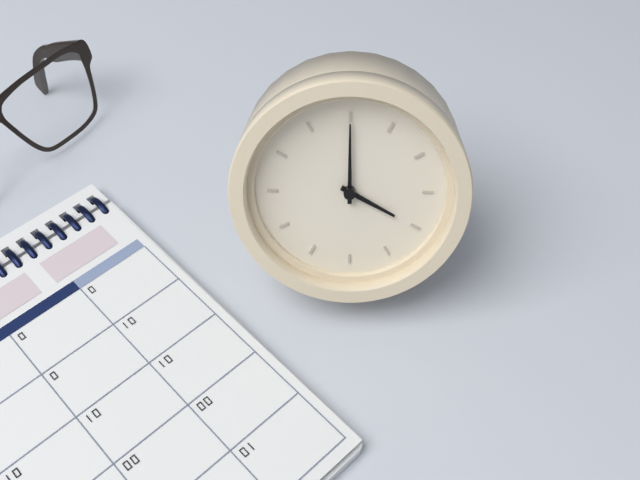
4.00
